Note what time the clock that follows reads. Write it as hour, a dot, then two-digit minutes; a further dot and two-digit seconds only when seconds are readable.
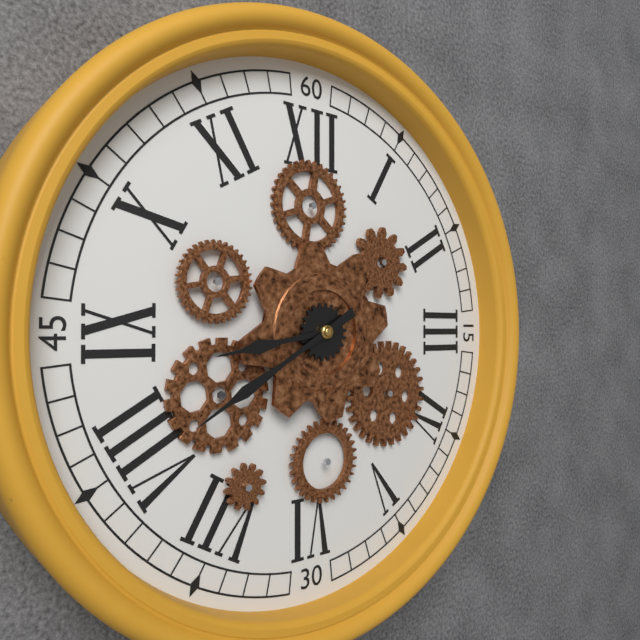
8.40
